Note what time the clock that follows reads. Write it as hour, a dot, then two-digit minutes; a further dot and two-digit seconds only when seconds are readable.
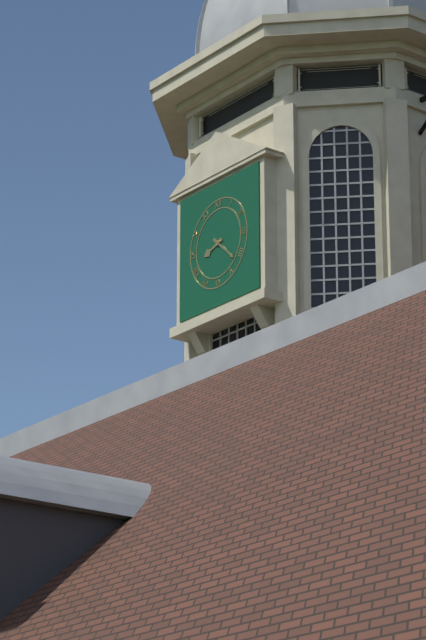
8.22
